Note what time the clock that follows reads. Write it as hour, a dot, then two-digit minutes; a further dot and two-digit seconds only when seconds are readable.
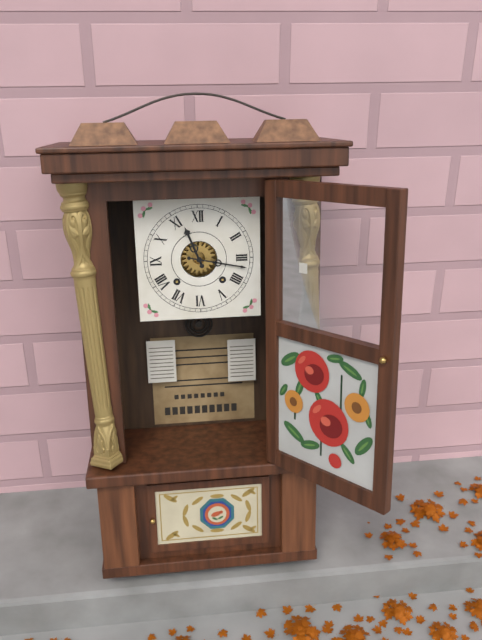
11.17
